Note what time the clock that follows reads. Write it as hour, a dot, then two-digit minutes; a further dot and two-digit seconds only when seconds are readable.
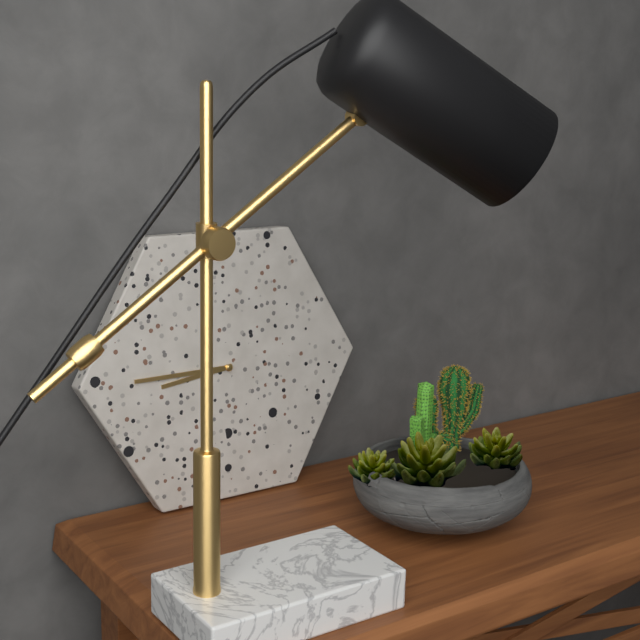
8.45
